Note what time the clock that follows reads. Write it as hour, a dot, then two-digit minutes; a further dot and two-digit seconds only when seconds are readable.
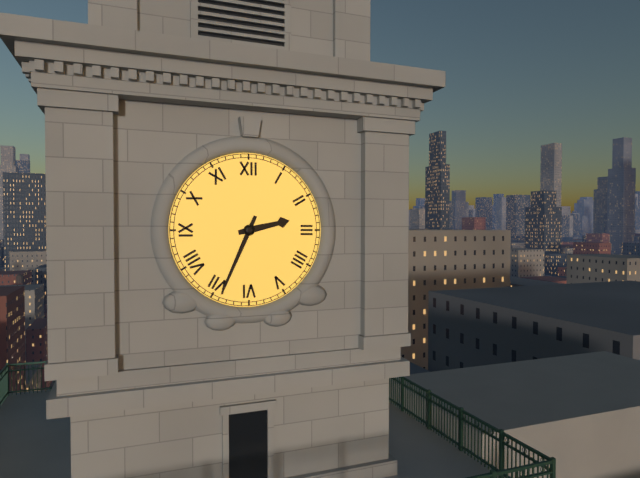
2.34
